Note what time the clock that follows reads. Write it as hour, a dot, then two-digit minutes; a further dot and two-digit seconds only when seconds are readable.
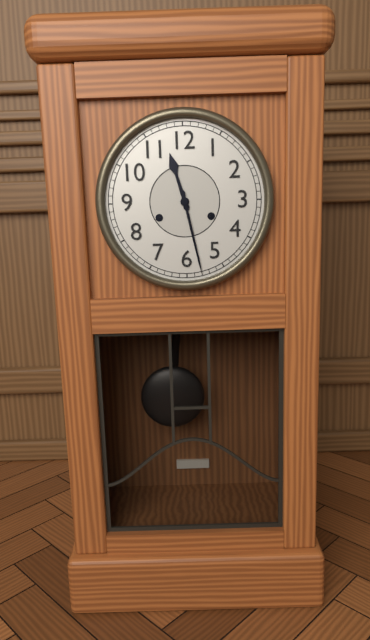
11.28
